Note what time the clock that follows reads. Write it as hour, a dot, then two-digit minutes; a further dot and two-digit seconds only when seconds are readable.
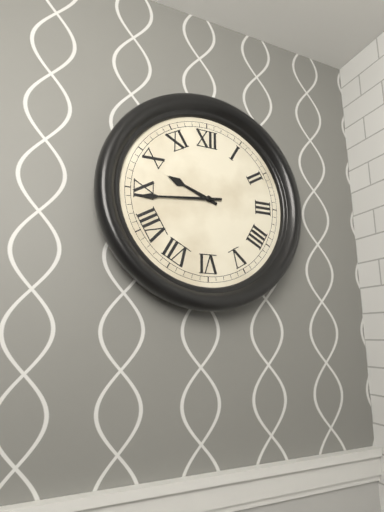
9.44
